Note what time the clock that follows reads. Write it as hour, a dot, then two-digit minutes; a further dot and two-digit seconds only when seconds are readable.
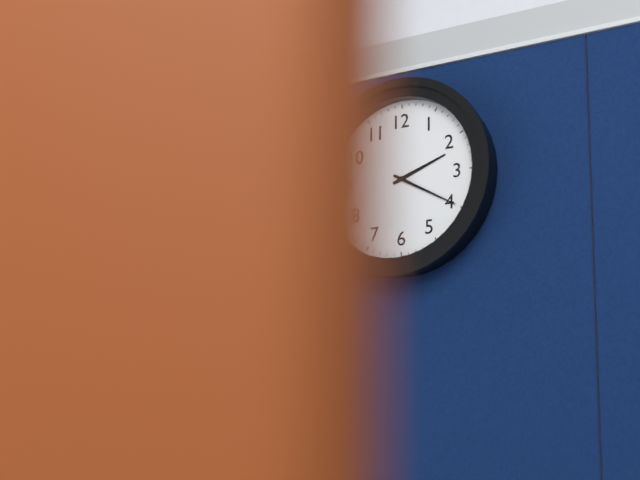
2.20
